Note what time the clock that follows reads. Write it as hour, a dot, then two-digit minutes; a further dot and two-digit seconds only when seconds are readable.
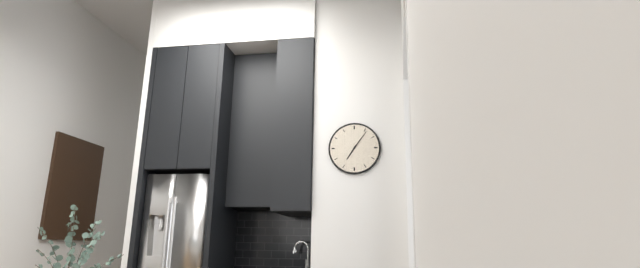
7.06
